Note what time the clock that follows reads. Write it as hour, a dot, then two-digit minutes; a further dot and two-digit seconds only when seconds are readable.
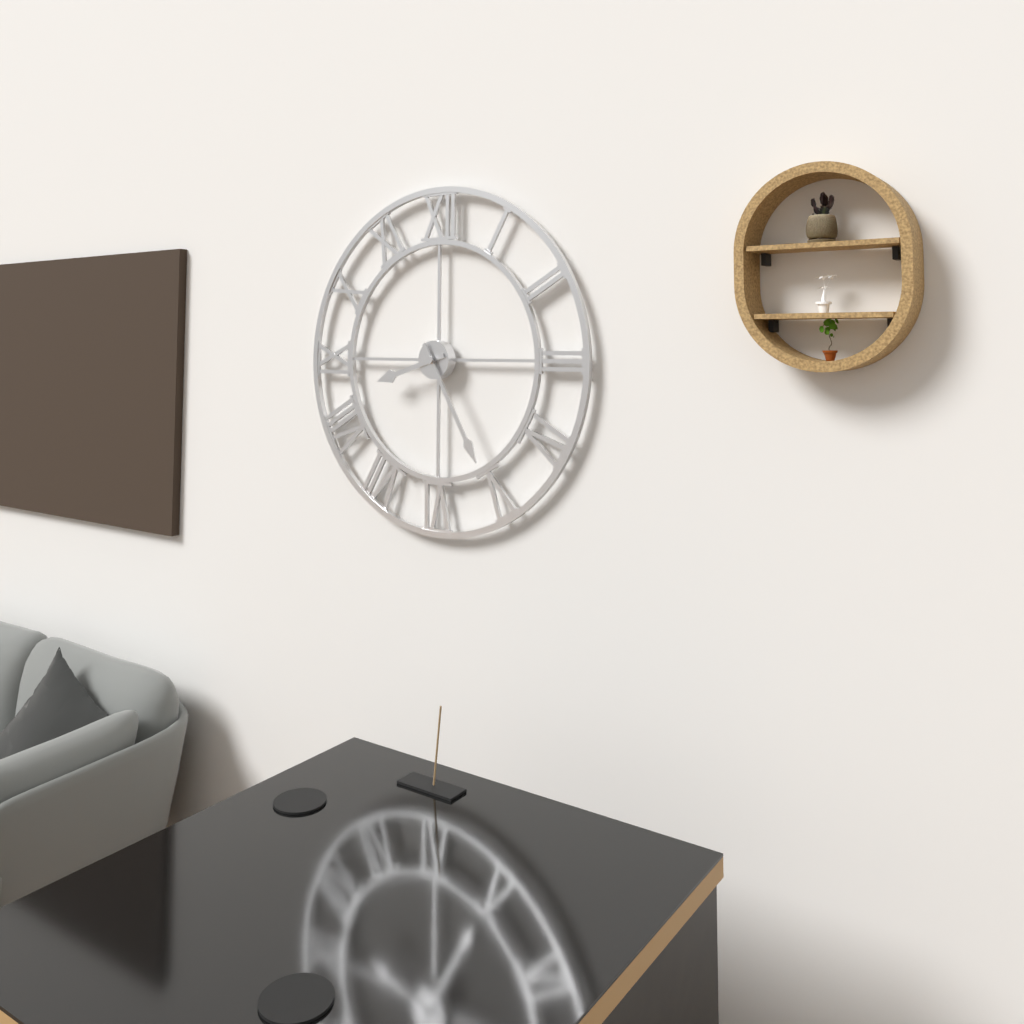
8.25
